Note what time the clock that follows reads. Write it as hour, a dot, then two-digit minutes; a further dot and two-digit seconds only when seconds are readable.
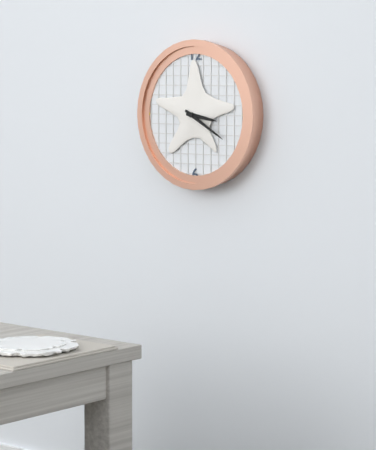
3.20
